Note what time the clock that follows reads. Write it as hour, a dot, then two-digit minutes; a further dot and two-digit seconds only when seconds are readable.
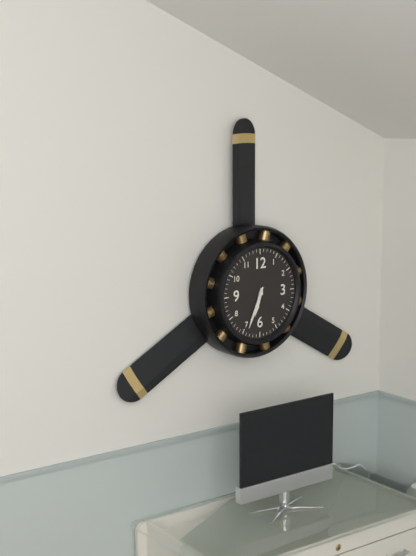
6.34
